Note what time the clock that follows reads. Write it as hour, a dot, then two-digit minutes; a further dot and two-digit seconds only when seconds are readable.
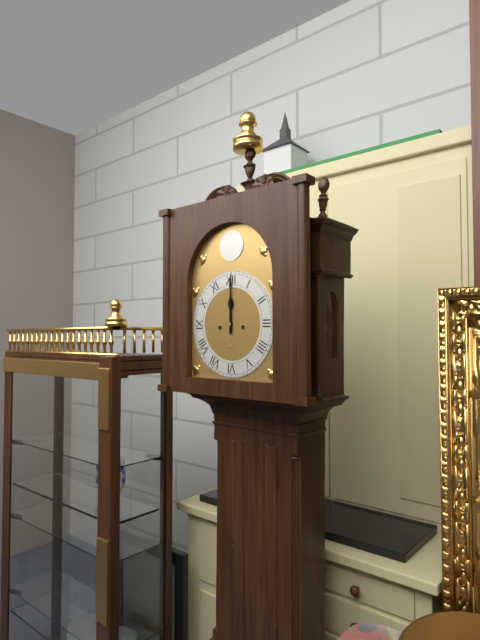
12.00
